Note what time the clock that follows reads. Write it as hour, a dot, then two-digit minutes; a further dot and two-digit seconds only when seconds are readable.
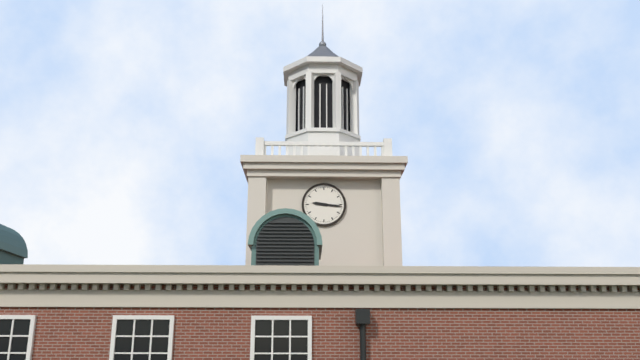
9.16
